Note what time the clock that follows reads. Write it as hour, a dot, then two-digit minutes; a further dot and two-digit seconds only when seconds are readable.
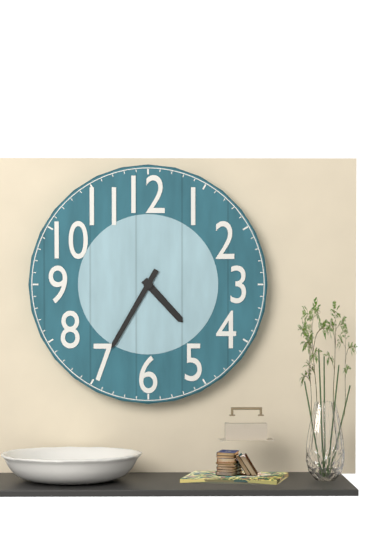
4.35
